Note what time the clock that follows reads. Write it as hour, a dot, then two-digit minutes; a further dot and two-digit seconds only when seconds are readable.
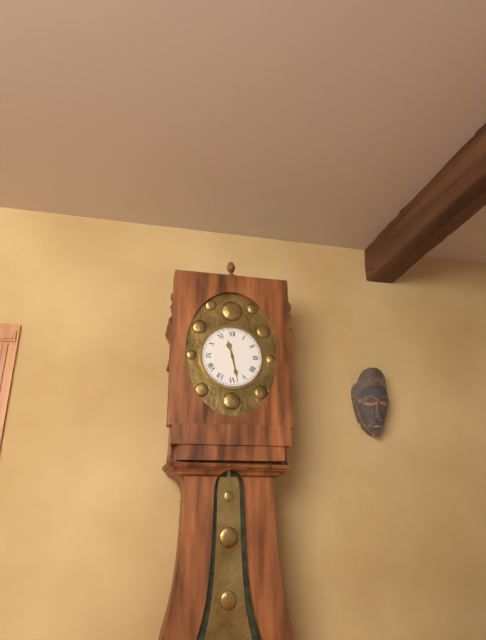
11.28
